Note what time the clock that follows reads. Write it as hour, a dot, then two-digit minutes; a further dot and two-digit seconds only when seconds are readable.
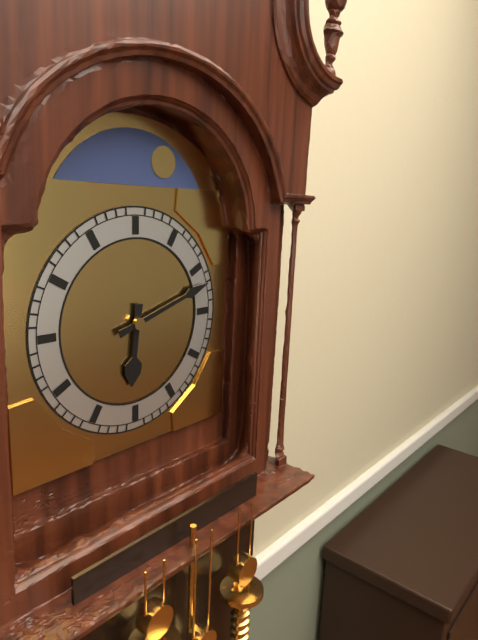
6.12
